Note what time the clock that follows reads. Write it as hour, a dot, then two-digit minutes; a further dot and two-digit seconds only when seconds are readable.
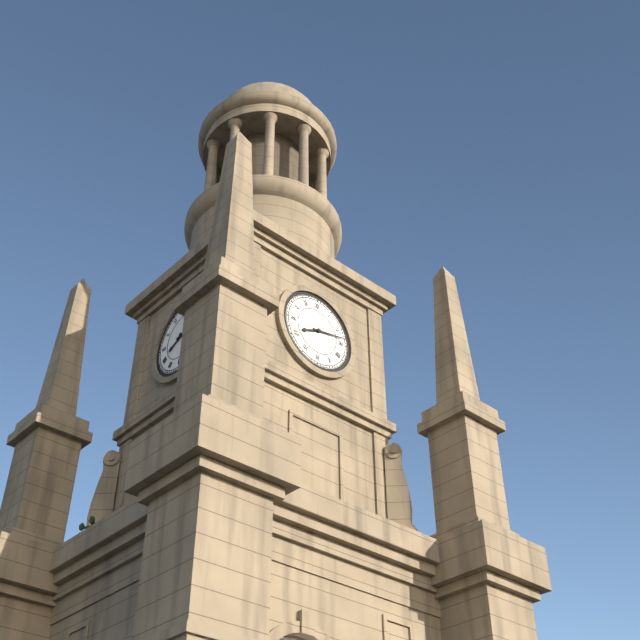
8.13
